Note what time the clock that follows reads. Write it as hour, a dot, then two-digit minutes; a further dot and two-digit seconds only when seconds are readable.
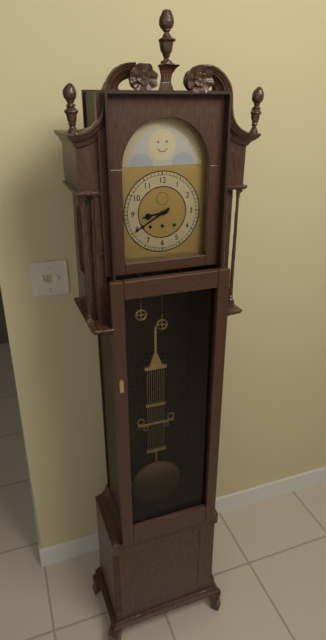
8.40
